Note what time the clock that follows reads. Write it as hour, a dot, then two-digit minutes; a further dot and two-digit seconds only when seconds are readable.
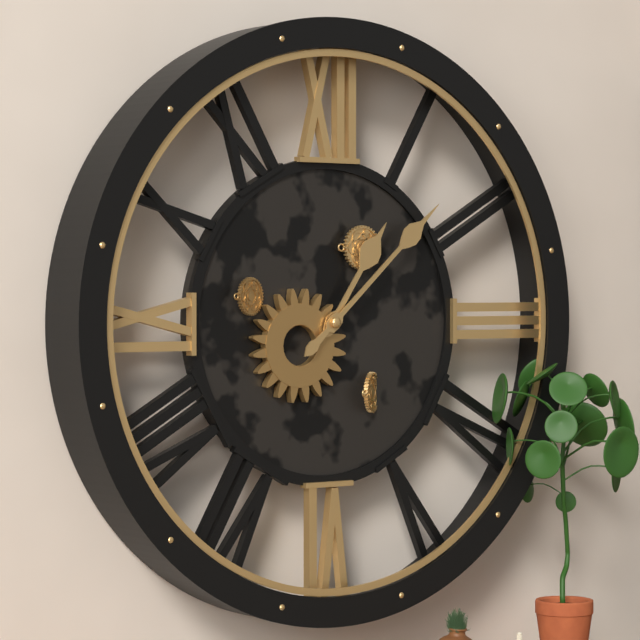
1.08
